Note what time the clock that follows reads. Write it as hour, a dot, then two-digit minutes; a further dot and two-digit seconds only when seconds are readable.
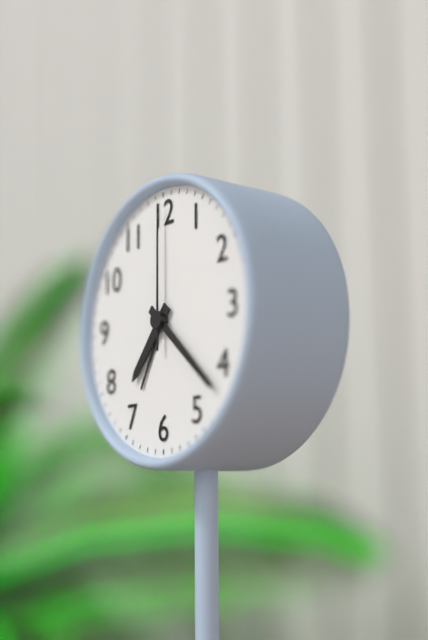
7.22.00
